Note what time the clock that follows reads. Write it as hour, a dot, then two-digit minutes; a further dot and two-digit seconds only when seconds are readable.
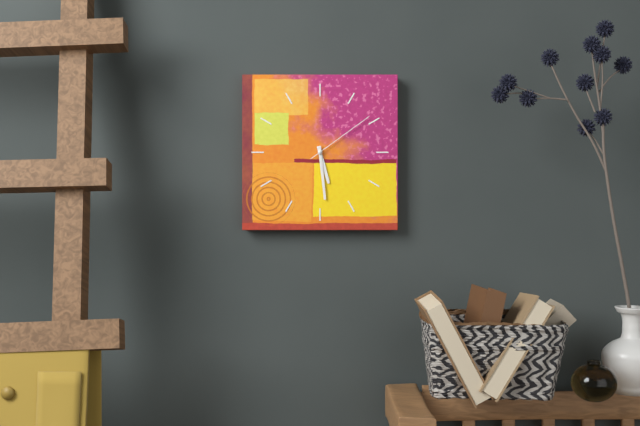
5.29.09
